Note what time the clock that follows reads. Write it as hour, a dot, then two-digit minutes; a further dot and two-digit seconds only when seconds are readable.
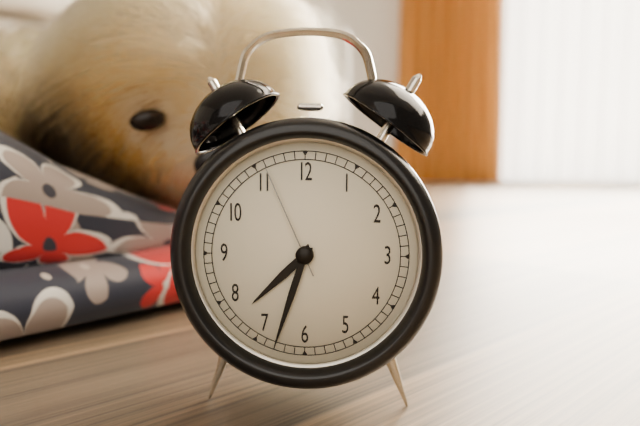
7.33.56
